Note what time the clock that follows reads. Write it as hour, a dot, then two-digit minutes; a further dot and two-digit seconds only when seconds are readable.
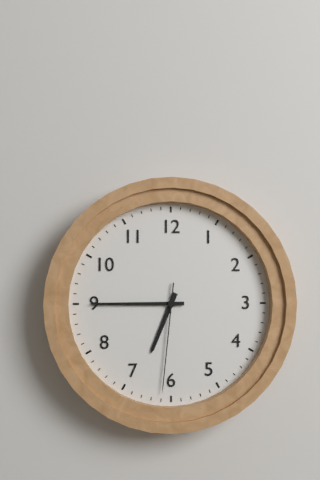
6.45.31
